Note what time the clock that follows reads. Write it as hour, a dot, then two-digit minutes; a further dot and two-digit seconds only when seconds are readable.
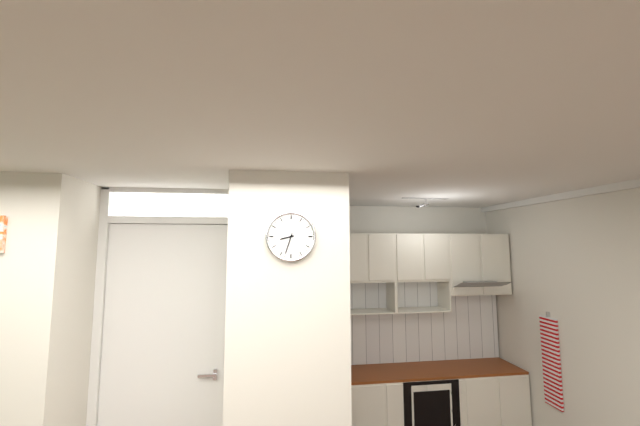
8.33
